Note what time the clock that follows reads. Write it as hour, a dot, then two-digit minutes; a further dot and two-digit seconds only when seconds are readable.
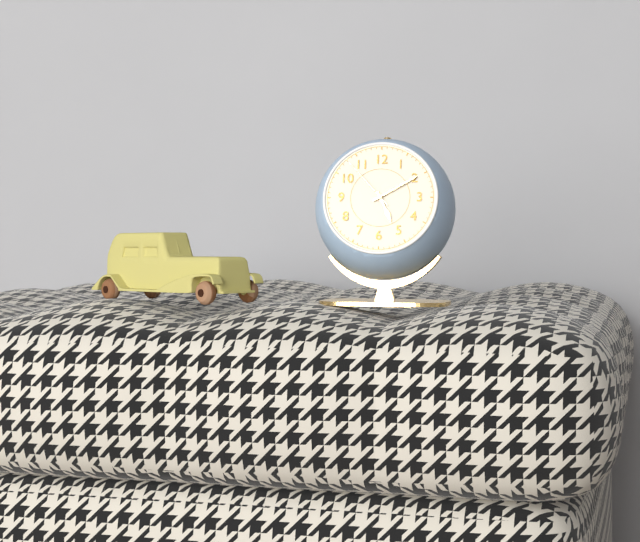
5.10.53
